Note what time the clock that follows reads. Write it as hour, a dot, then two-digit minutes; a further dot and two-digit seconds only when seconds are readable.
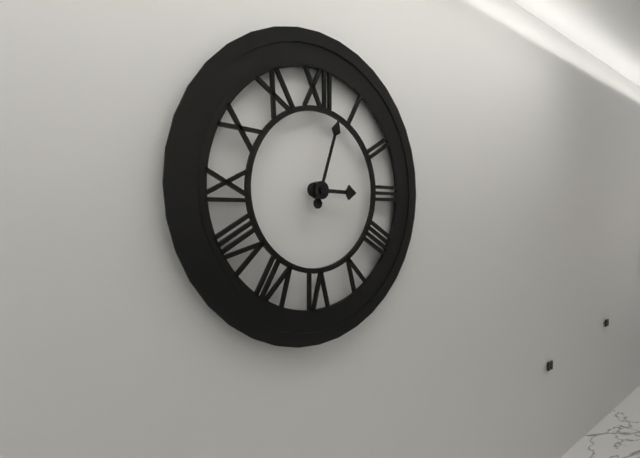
3.03
